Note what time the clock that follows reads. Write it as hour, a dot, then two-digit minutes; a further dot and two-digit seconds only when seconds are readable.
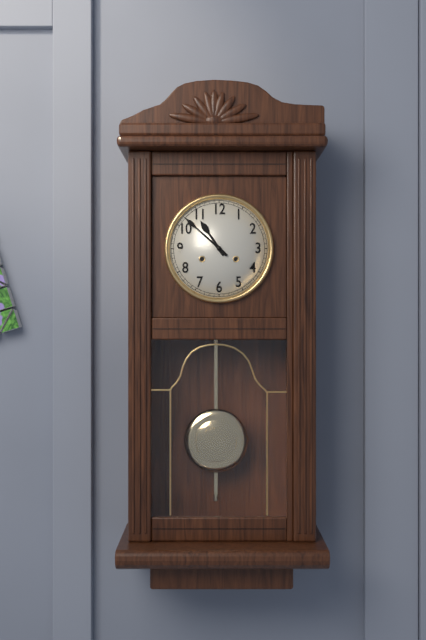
10.52
